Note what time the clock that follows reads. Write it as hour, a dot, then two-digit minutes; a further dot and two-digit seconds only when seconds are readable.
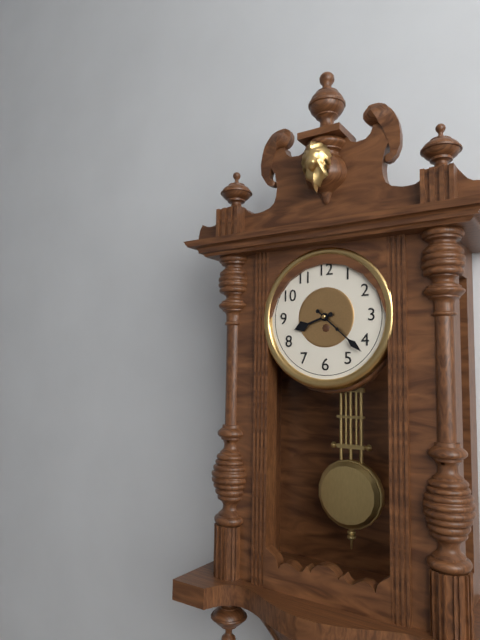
8.22
